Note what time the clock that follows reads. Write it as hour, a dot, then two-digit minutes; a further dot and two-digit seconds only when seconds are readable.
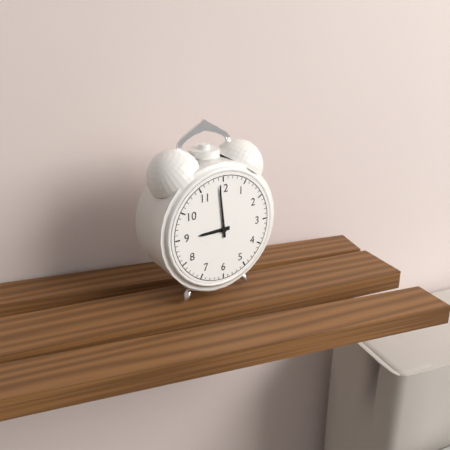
8.59
